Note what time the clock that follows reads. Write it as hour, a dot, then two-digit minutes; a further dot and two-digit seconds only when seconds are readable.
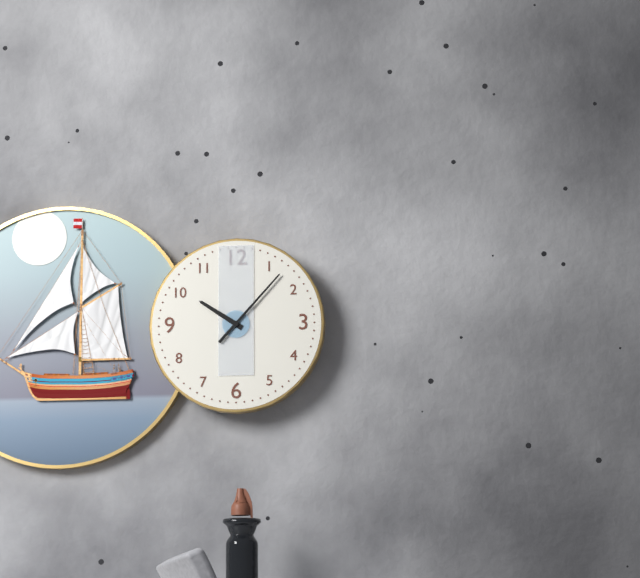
10.07
